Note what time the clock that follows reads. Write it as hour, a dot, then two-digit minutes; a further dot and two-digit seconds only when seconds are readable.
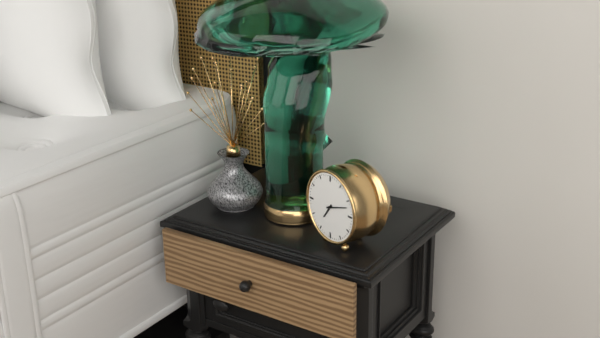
7.12
